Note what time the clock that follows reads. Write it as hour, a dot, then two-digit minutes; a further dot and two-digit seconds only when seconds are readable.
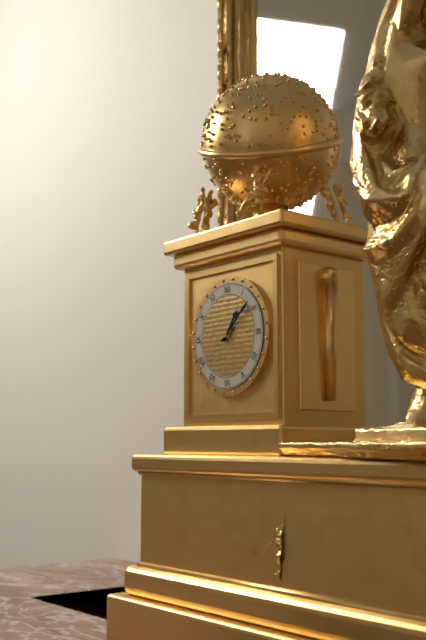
1.08
